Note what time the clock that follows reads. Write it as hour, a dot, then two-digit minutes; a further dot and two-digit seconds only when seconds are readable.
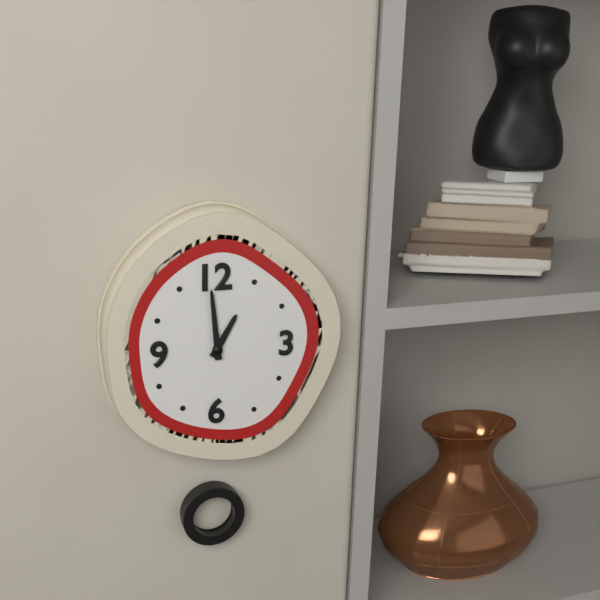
12.59
